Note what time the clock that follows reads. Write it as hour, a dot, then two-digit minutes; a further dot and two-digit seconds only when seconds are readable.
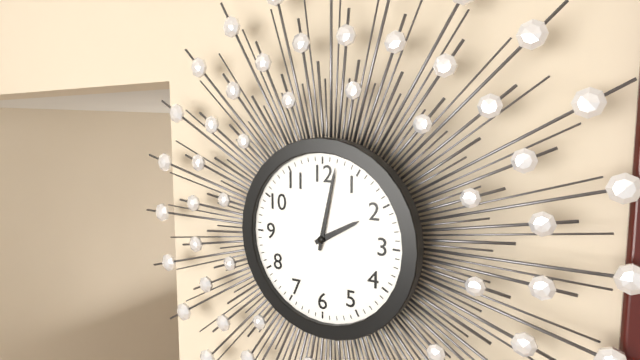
2.02
